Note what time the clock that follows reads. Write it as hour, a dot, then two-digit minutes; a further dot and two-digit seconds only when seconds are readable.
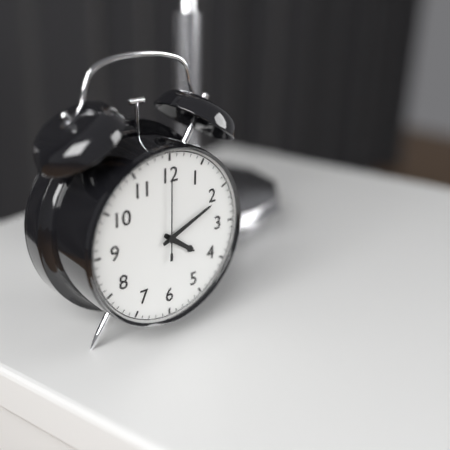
4.11.00
